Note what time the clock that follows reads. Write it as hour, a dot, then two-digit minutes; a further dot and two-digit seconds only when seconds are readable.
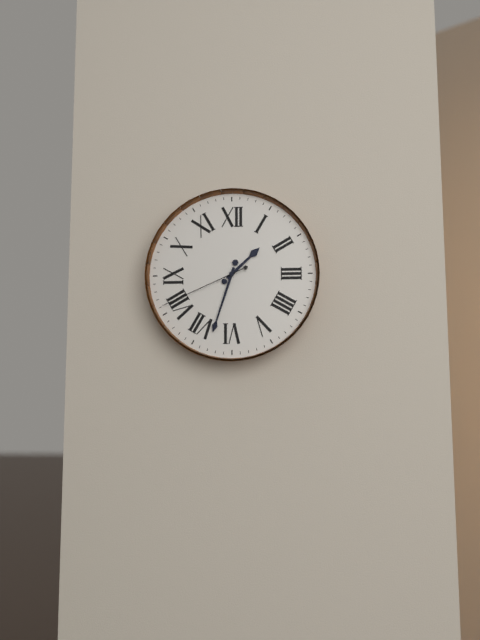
1.33.41
